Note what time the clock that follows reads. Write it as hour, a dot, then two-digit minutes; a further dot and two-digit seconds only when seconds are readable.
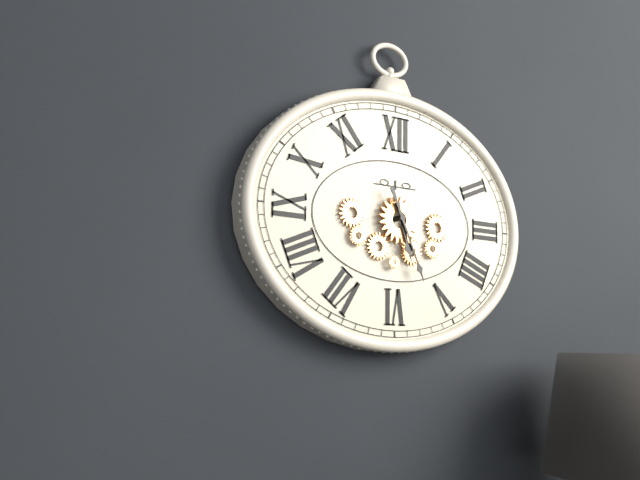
5.26
